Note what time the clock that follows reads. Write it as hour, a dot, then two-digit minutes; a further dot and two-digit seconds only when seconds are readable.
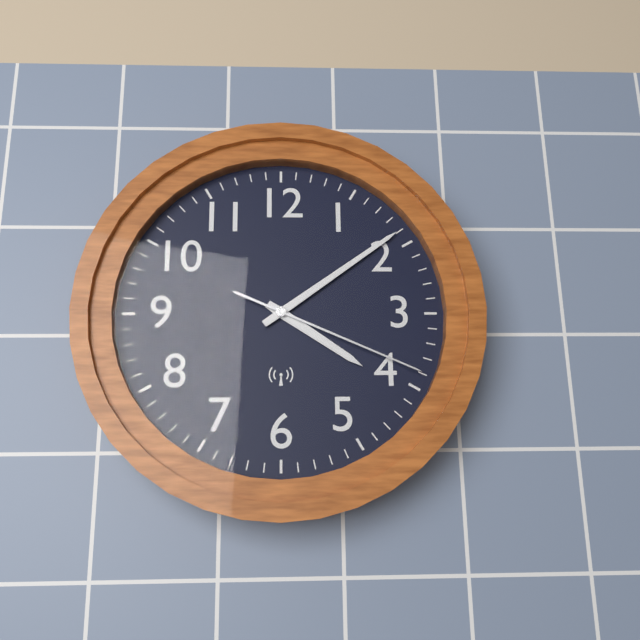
4.09.19
